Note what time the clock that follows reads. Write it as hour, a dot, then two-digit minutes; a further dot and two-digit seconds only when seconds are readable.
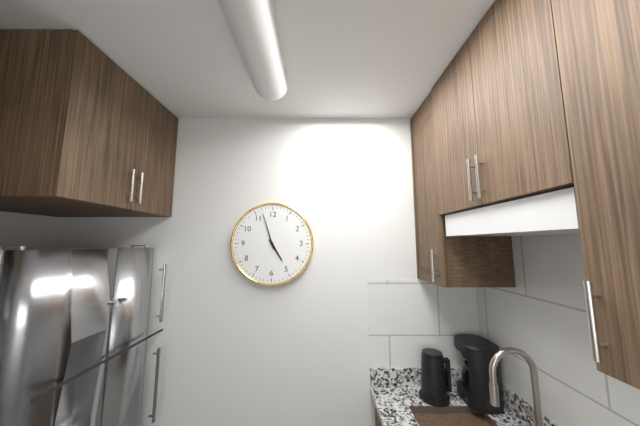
4.57
